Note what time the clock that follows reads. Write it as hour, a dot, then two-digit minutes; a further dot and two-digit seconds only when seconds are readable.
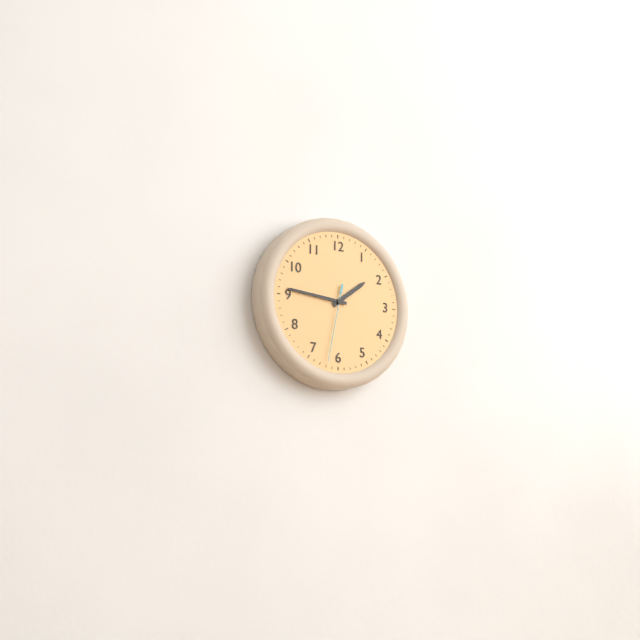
1.46.32
